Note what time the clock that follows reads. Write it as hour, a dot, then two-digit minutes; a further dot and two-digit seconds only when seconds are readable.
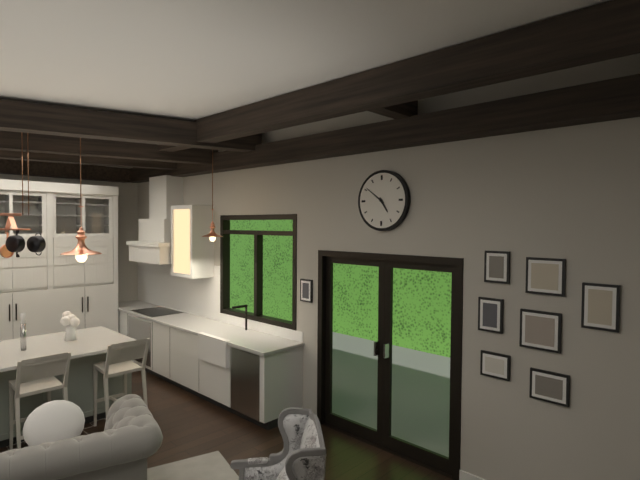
4.51
